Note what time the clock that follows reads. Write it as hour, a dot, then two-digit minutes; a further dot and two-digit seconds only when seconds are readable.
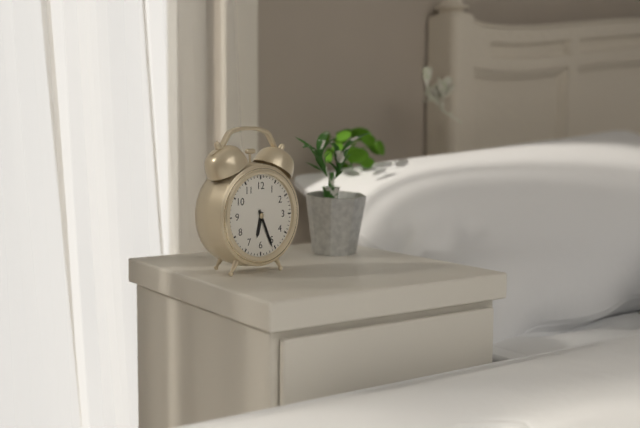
6.26
